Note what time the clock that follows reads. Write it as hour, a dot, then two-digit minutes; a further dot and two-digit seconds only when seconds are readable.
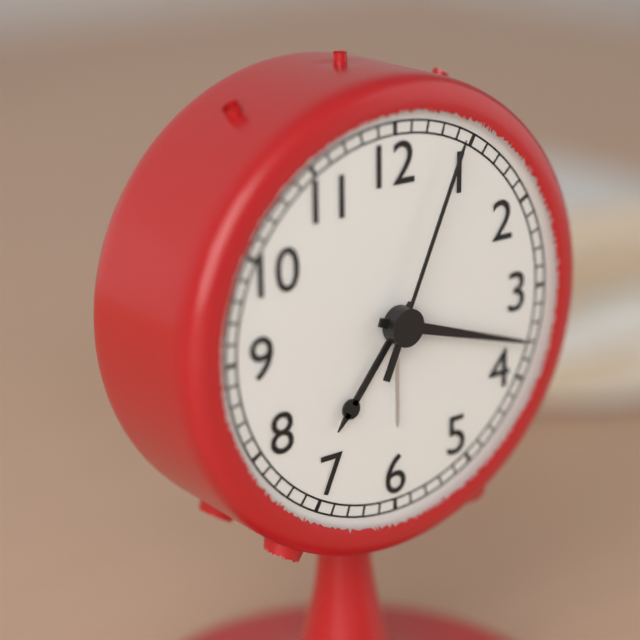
7.18.04
